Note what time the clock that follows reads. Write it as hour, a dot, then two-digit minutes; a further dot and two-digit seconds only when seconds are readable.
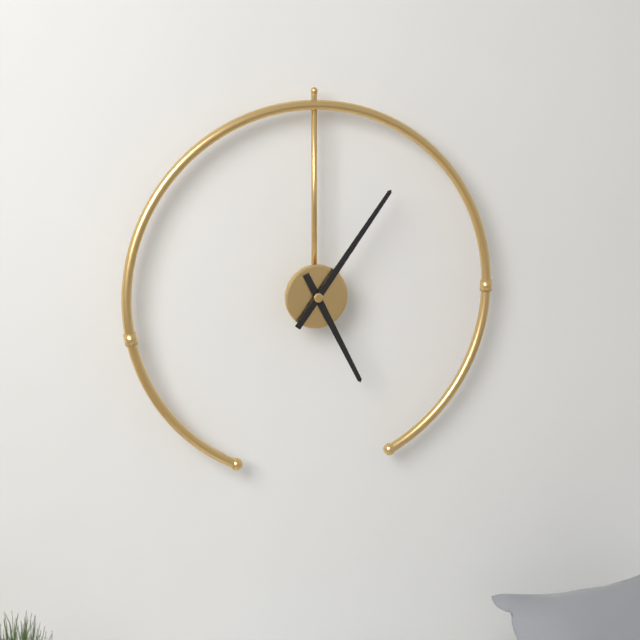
5.06
